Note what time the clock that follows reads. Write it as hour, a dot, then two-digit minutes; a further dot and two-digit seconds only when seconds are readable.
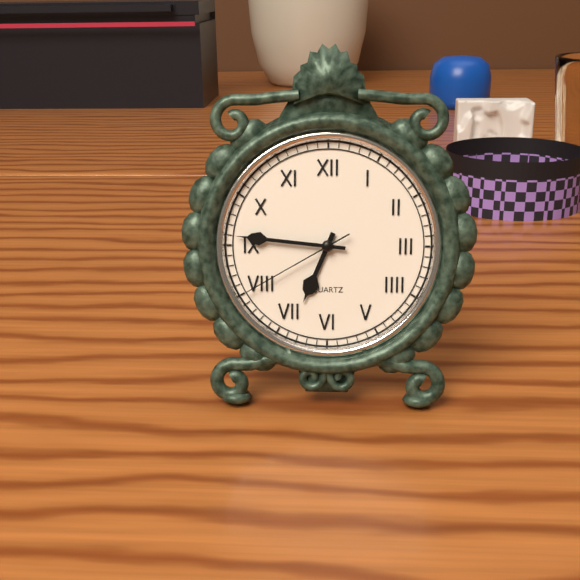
6.46.40
